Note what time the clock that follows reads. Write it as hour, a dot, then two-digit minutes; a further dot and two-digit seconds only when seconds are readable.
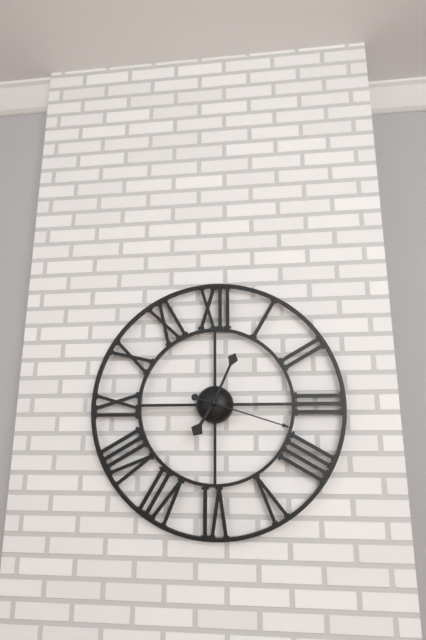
7.04.18
